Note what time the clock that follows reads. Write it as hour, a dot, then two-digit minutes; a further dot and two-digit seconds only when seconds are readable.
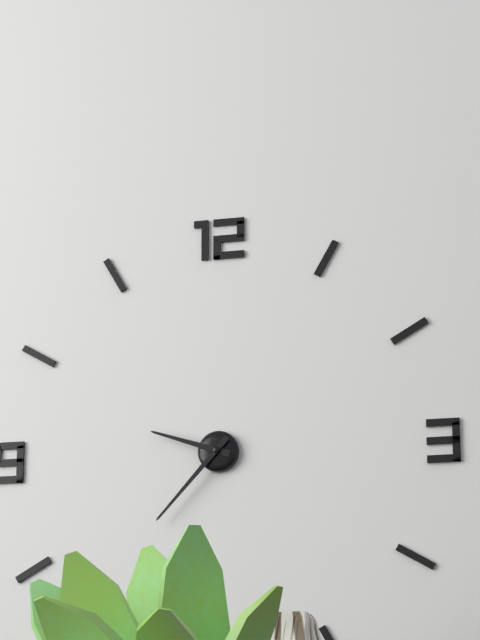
9.37
